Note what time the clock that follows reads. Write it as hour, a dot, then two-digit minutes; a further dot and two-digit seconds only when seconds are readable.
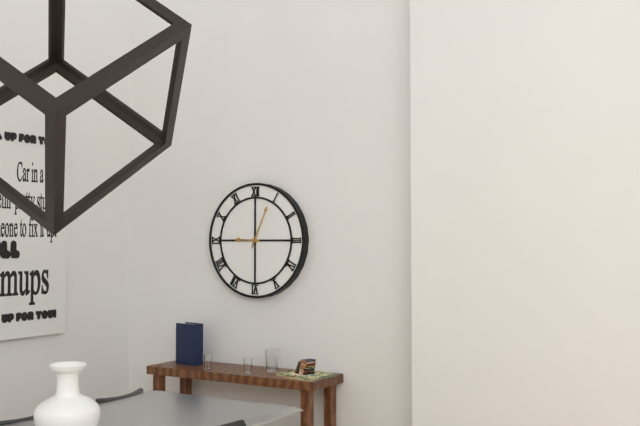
9.04
